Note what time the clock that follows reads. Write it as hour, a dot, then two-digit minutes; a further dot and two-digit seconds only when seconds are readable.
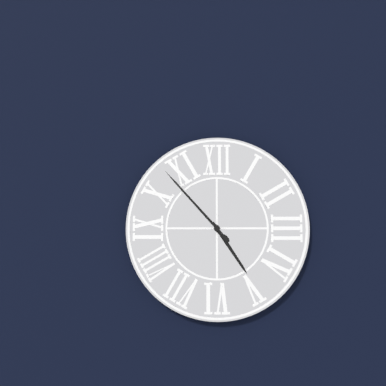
4.53
